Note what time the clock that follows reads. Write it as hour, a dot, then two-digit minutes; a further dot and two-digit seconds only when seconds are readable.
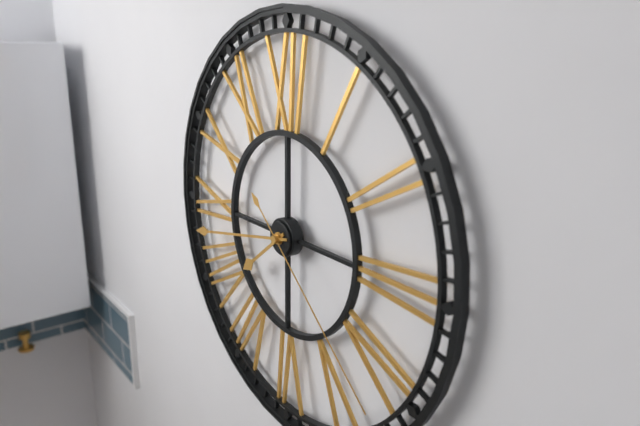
7.43.22
